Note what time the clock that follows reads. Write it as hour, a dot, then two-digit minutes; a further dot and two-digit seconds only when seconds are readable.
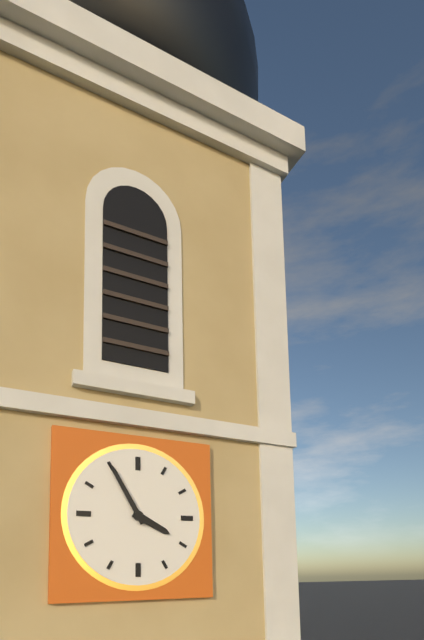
3.55
